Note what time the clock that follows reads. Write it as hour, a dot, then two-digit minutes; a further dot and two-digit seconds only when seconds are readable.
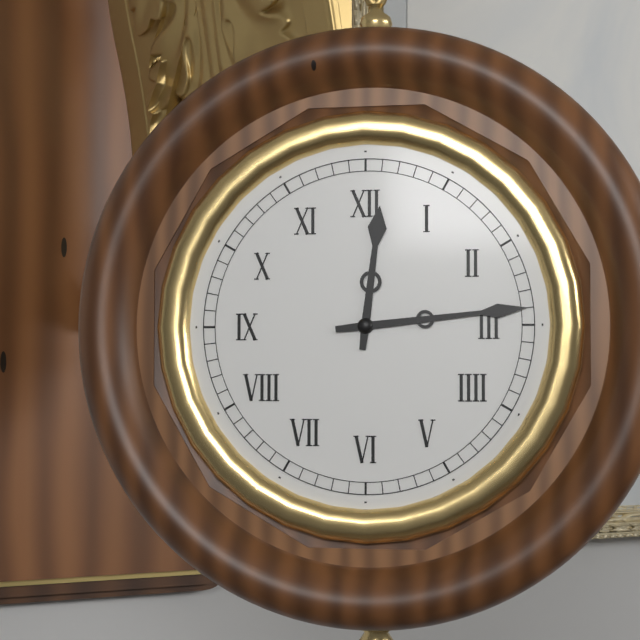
12.14
